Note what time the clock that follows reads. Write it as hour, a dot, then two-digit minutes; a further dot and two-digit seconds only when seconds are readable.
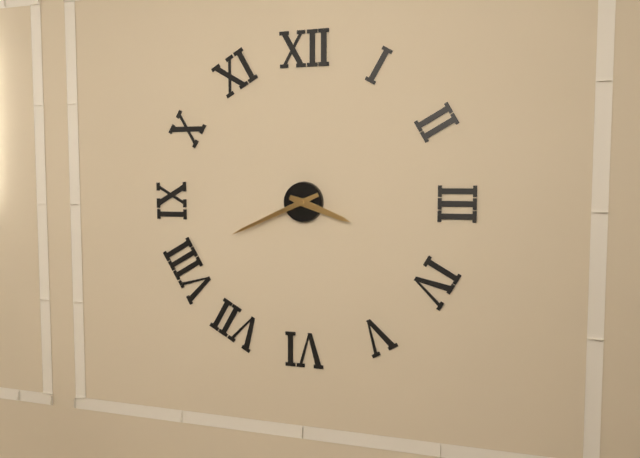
3.41
